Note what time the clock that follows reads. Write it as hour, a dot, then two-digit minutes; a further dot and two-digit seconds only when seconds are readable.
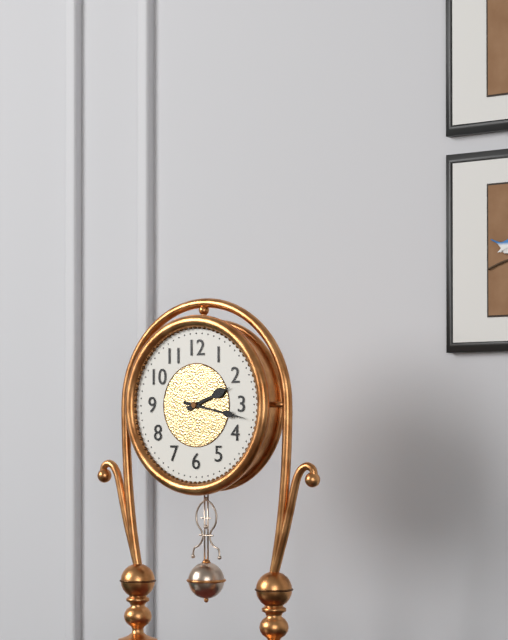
2.17
